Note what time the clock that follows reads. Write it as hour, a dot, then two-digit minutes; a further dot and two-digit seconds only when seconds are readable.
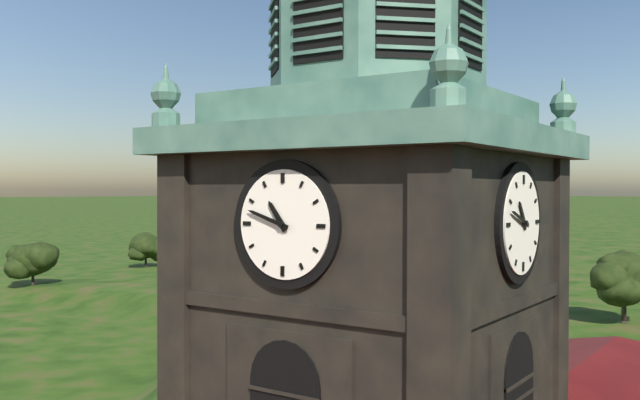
10.48
